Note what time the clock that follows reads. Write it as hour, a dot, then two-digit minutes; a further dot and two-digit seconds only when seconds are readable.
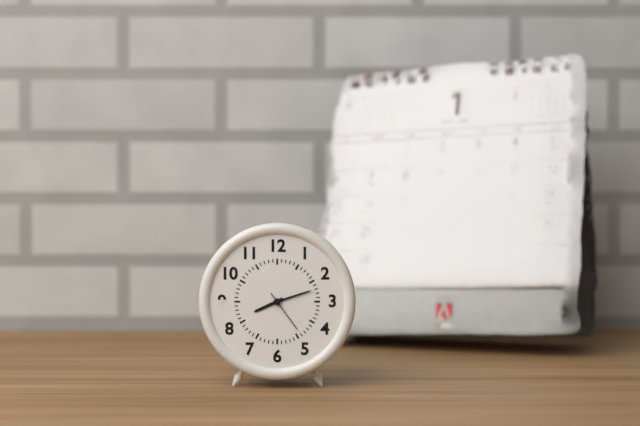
8.12
